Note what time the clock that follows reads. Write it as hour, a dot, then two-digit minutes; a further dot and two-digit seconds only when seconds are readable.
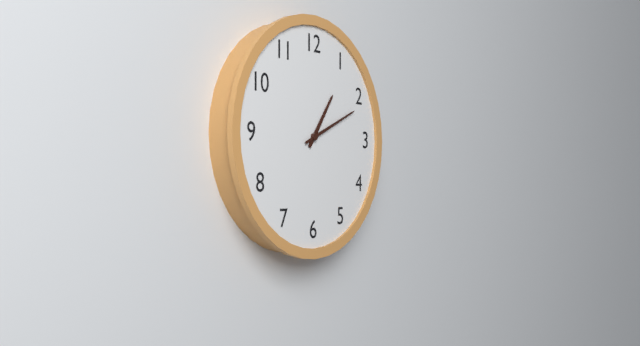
1.11
